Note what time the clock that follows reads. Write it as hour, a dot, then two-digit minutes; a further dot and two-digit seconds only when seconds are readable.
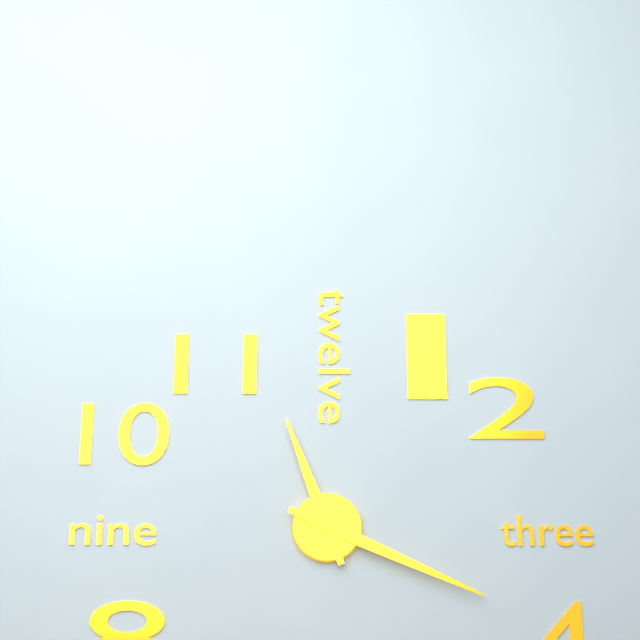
11.19
